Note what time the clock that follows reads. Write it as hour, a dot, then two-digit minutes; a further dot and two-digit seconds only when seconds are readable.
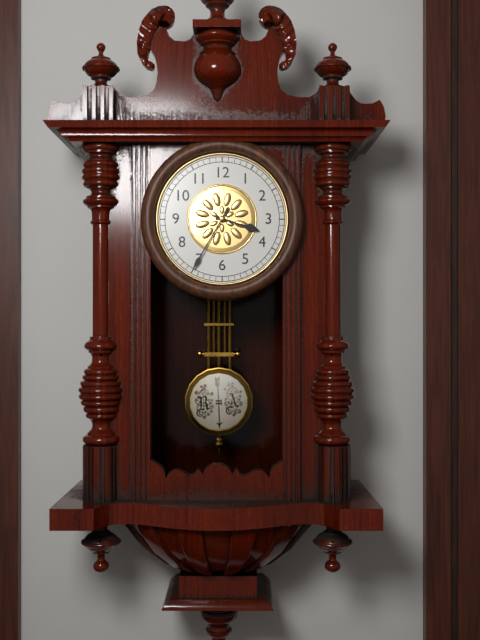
3.35
